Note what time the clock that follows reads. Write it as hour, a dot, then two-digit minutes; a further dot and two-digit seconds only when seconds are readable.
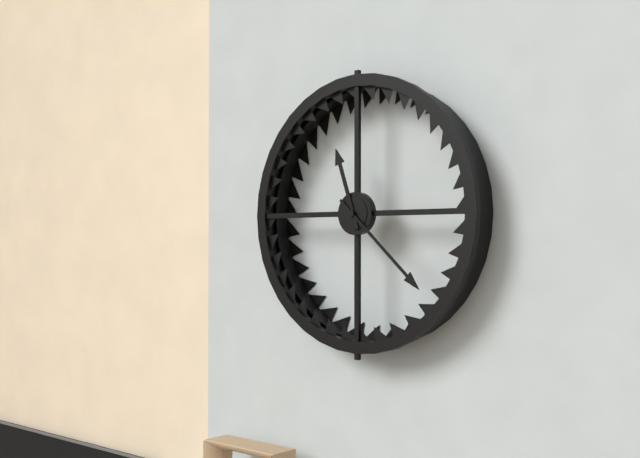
11.22
